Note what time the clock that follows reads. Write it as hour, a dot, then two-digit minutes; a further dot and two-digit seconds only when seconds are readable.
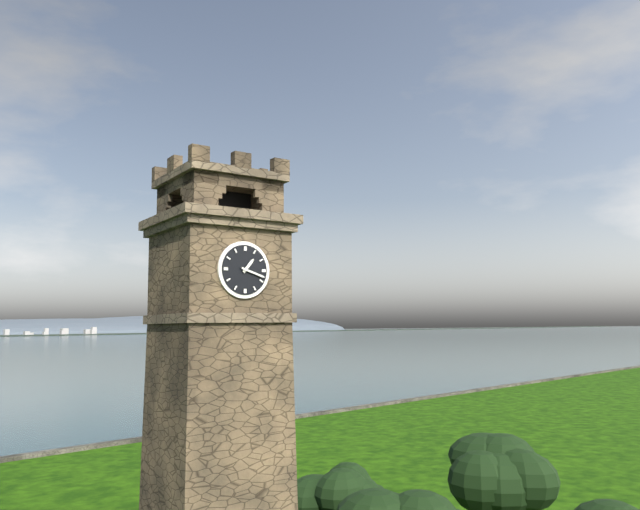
1.18
